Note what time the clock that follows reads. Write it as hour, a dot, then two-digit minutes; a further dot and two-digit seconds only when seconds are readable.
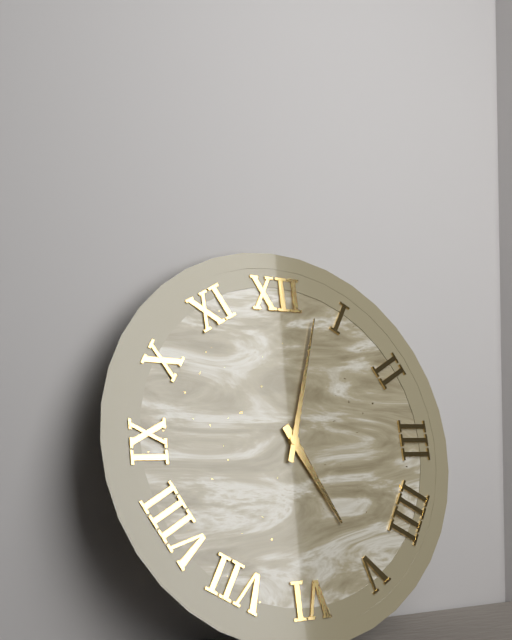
5.03
